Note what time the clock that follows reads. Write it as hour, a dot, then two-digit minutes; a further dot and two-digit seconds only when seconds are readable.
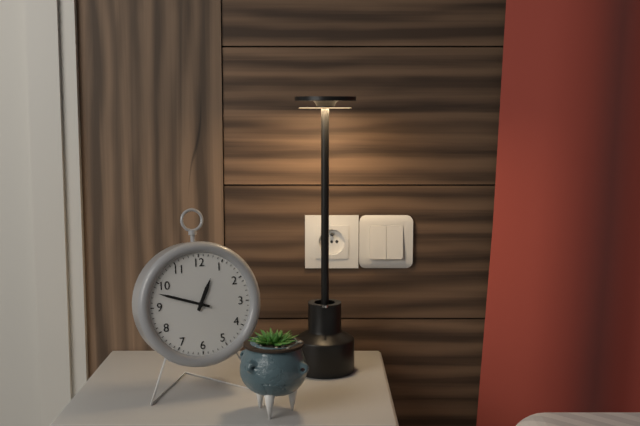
12.48
